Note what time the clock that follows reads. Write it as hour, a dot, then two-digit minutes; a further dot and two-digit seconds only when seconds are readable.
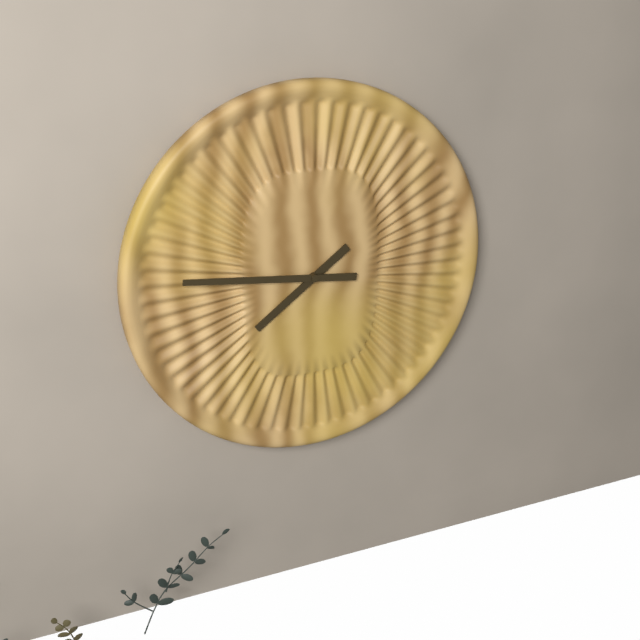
7.46
